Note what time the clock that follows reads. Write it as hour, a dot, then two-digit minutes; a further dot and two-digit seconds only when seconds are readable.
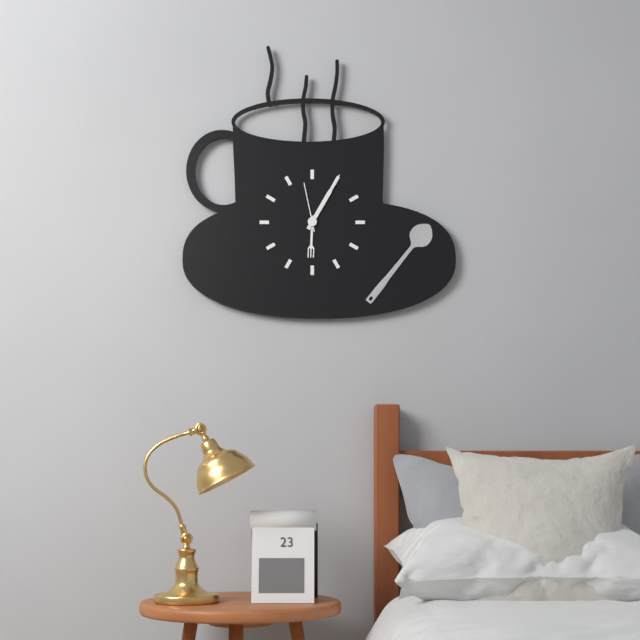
6.05.58
